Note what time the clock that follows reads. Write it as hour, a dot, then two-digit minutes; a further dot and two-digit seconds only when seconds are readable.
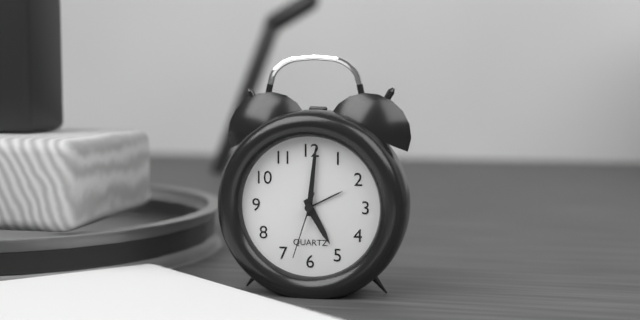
5.01.33
